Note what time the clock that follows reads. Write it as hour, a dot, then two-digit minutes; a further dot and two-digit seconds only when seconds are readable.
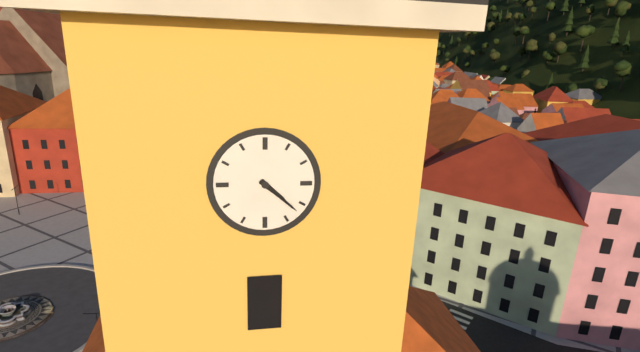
4.22
